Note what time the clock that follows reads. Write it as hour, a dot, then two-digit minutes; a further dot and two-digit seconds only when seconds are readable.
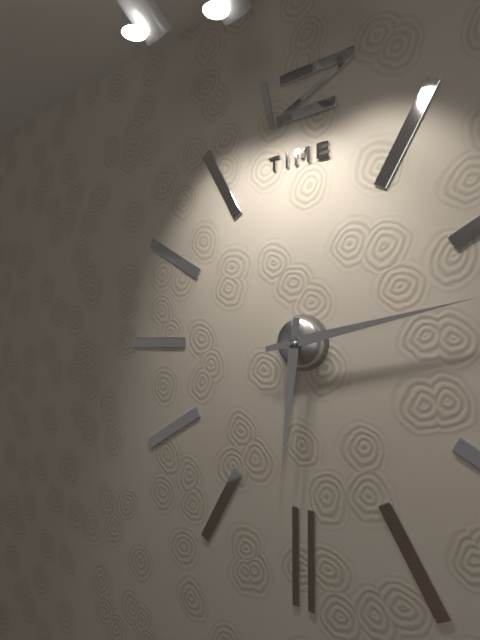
6.13
